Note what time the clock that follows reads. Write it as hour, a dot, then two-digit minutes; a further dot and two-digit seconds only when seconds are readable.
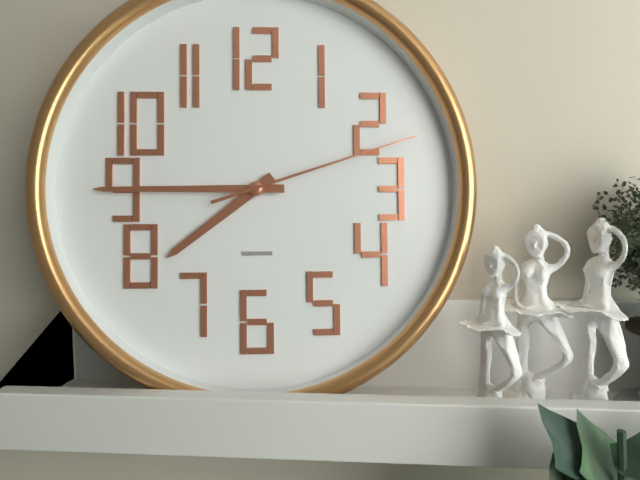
7.45.12
